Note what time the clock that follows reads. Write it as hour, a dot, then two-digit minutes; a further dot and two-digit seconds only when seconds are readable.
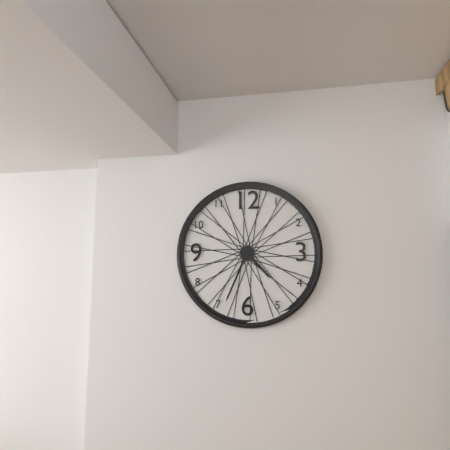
4.34
